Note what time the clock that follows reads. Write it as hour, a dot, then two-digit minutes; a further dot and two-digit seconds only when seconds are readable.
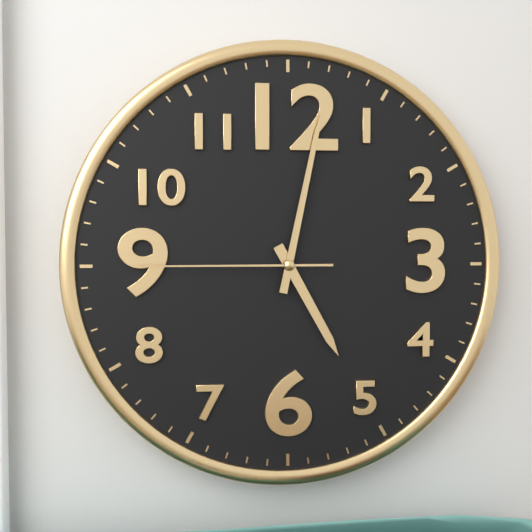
5.02.45
